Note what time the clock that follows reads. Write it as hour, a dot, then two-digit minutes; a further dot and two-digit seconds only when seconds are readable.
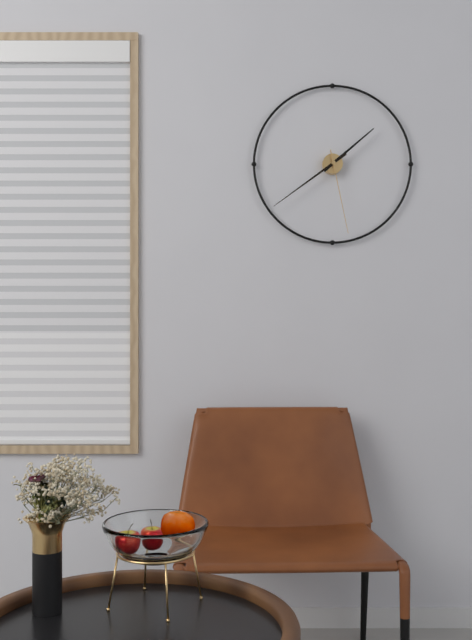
1.39.28
